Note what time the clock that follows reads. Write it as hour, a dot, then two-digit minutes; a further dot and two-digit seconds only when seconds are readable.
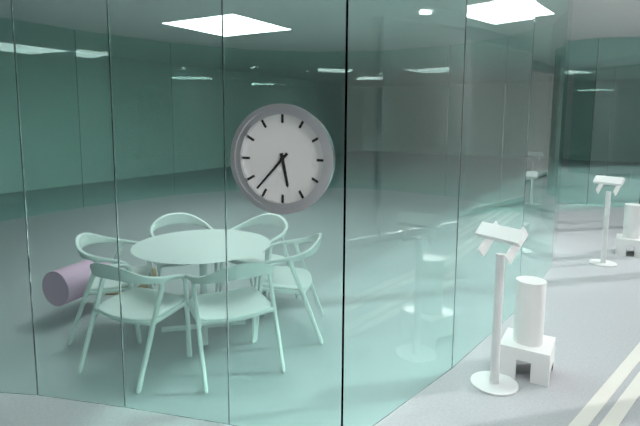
5.37
